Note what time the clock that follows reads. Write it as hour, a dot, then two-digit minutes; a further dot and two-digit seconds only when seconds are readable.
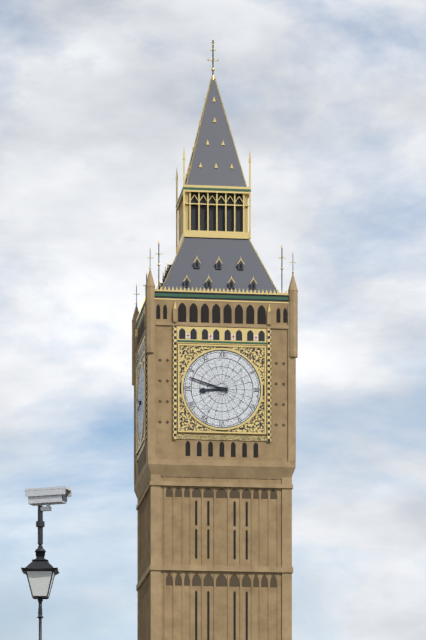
8.48
